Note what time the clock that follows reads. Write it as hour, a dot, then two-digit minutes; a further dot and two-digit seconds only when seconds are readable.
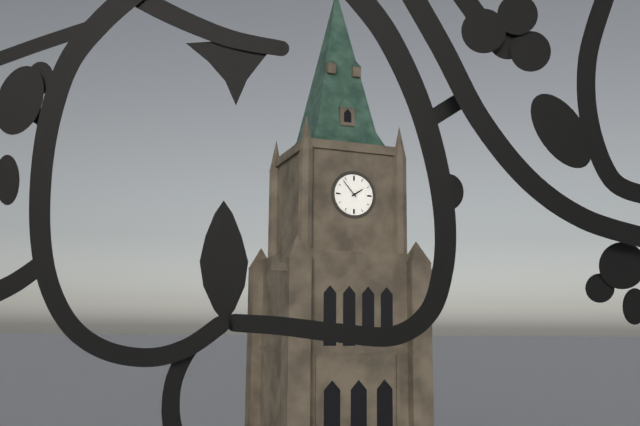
1.53
